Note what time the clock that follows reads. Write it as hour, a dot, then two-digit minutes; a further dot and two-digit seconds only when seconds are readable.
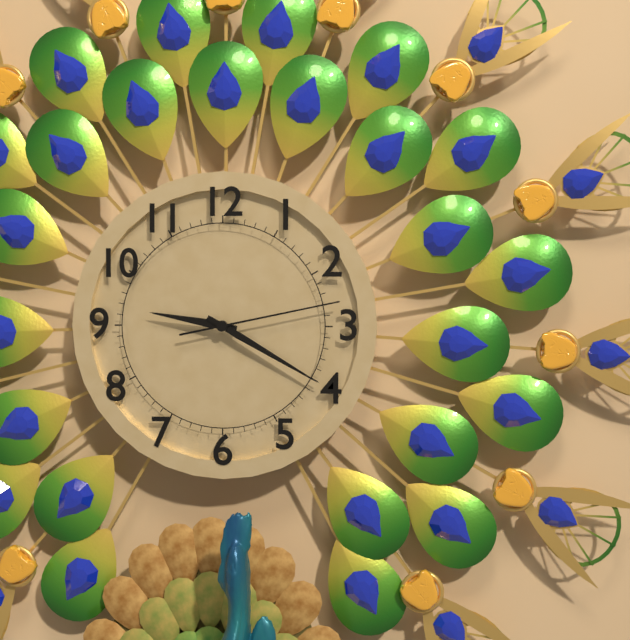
9.20.13
